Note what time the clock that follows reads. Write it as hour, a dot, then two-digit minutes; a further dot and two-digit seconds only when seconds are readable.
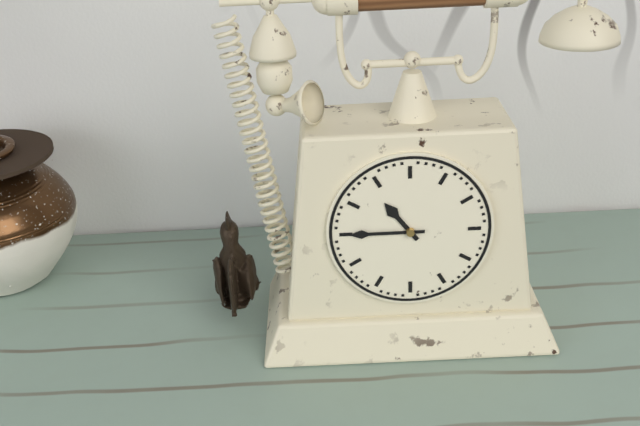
10.45
